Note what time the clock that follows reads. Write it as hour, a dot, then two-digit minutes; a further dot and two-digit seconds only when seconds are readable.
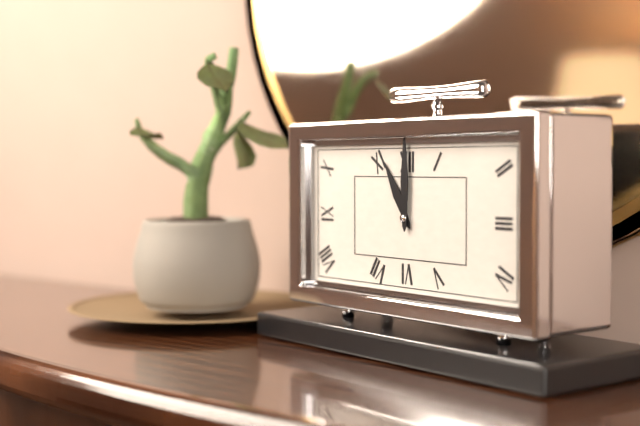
11.00
